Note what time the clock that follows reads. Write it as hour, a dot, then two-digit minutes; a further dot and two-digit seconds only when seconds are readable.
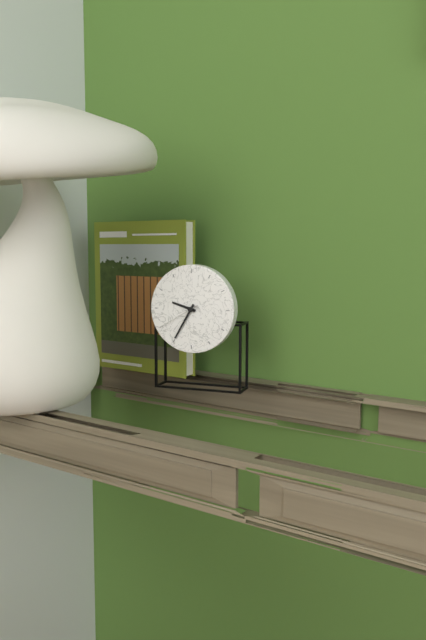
9.35
